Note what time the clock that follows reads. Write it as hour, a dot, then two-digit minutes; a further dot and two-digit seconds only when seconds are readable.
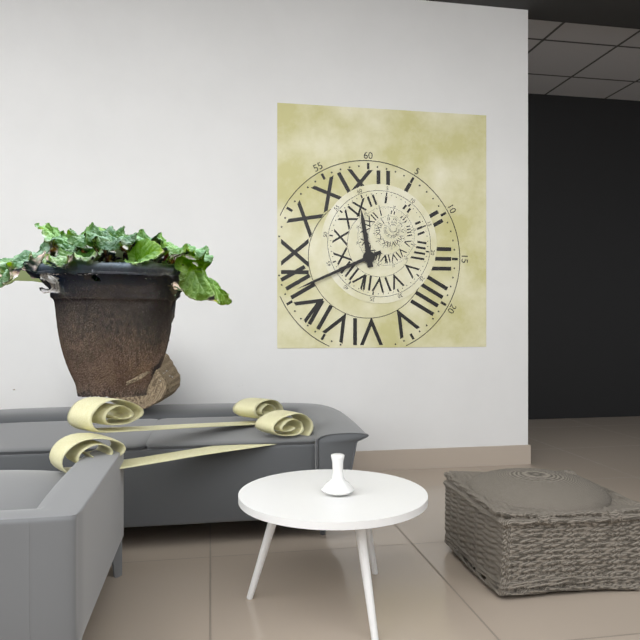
11.41
